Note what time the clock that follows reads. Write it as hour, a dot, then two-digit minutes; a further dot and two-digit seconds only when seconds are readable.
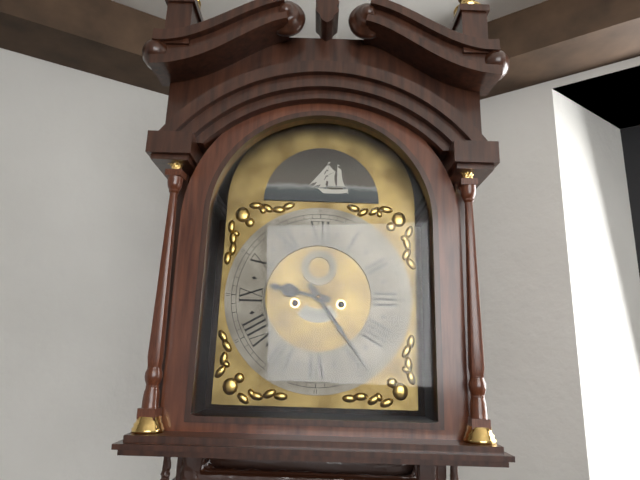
9.24
